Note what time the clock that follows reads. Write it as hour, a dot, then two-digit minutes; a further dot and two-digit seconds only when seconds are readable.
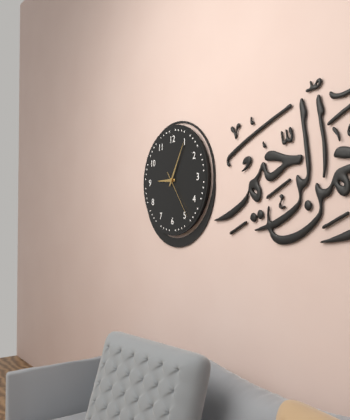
9.05
